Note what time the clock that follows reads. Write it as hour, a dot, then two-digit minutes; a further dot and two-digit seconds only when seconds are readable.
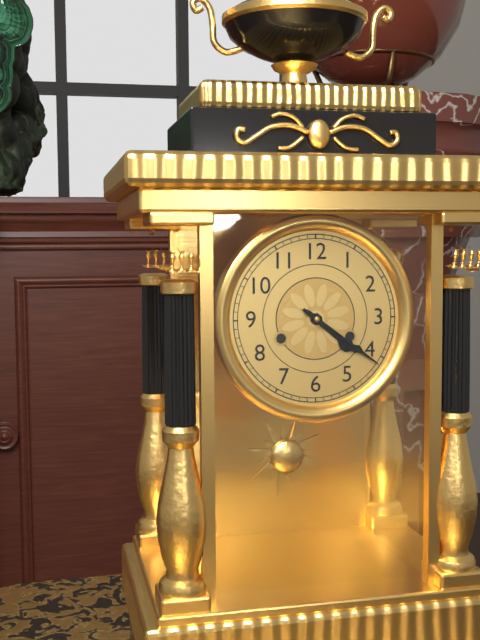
4.21
